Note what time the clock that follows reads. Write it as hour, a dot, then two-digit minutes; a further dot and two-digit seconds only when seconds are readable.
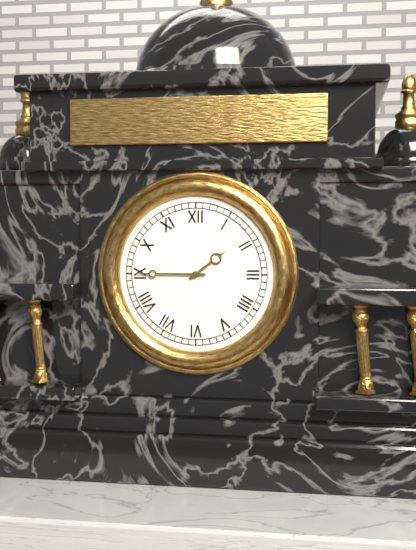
1.45
